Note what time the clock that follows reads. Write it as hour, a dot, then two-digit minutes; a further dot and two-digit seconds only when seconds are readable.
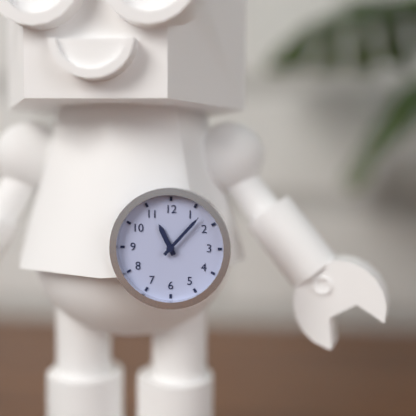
11.07
